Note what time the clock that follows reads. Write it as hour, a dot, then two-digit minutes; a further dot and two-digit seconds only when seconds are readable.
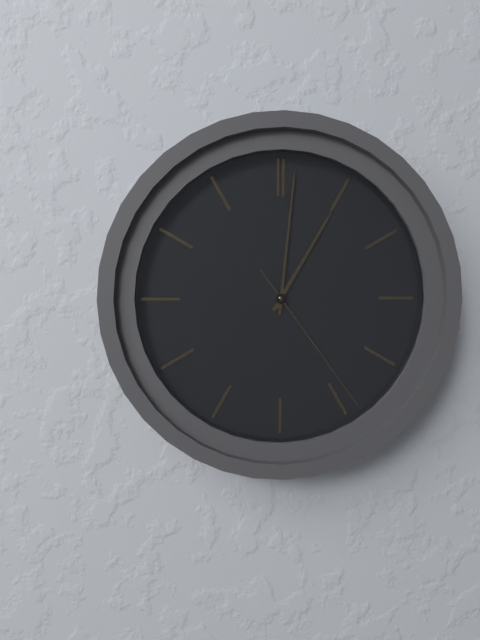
1.01.24
